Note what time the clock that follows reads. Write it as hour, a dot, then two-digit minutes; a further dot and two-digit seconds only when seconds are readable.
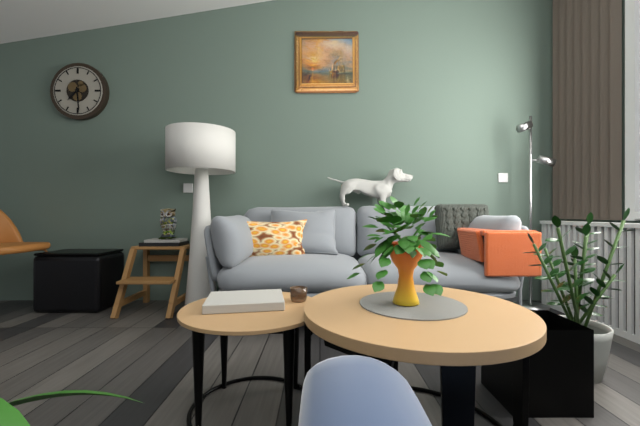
7.29
